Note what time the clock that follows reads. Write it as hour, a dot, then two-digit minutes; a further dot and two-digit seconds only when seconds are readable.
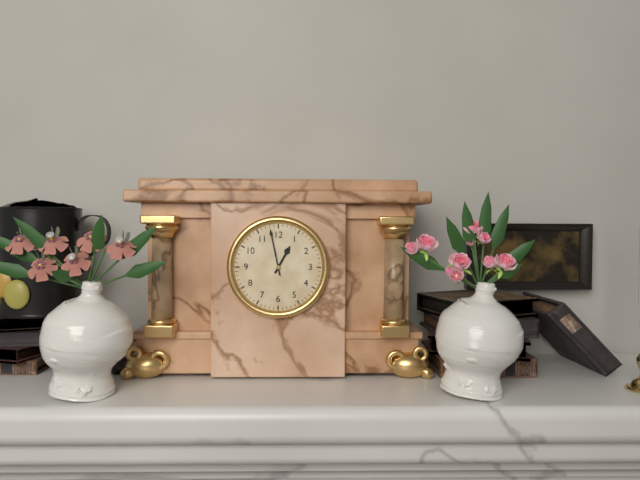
12.58
